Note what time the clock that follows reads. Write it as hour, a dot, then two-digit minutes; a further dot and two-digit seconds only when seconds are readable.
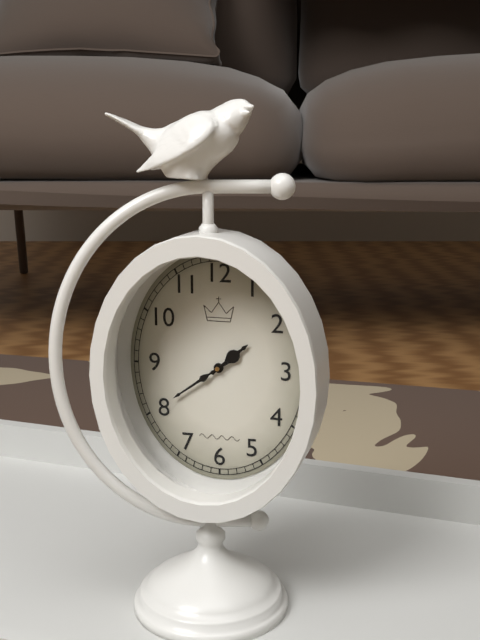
1.39
